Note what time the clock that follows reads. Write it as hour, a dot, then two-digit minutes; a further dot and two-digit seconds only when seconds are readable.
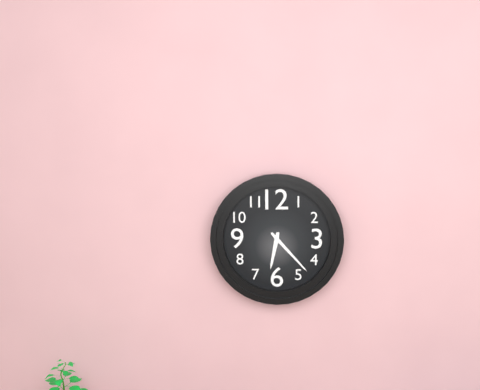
6.23
